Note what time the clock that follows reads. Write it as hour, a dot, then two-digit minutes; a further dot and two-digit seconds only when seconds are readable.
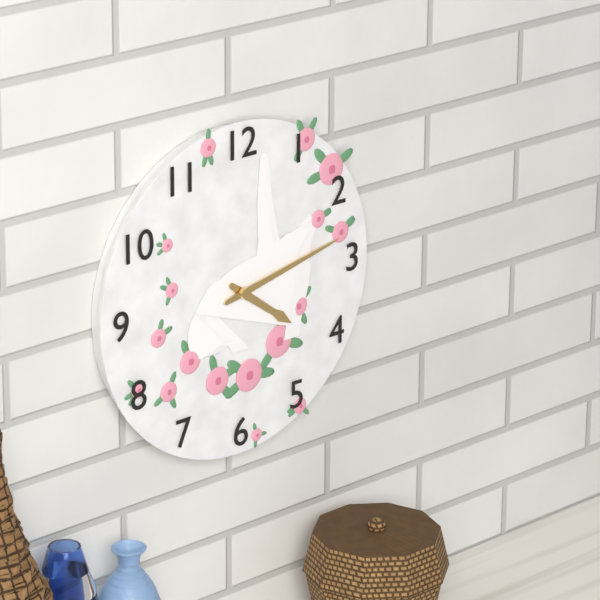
4.13
